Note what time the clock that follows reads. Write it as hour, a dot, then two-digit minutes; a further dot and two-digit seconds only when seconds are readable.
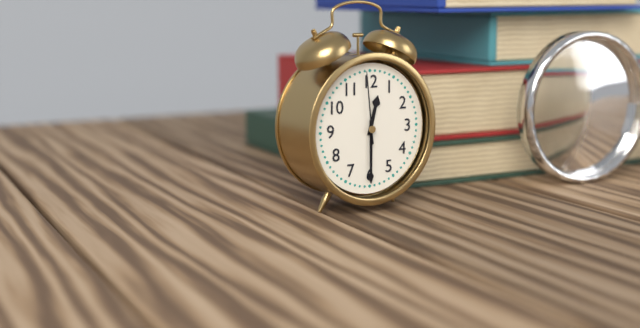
12.30.59
